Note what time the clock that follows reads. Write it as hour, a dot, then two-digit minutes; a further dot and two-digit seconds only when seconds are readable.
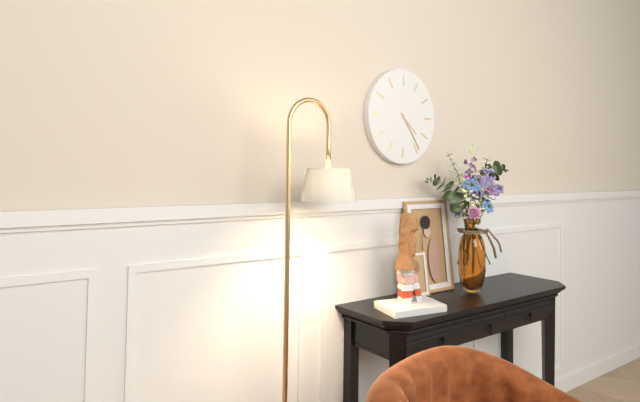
4.24
